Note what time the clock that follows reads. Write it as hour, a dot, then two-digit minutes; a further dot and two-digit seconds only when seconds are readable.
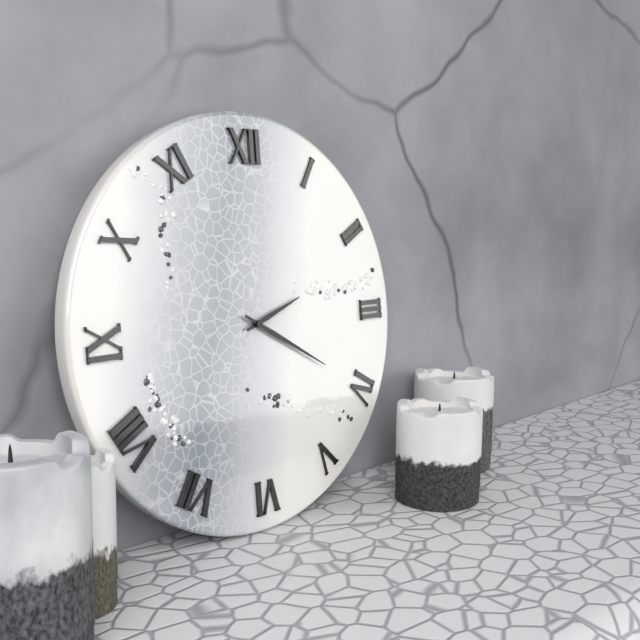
2.20
